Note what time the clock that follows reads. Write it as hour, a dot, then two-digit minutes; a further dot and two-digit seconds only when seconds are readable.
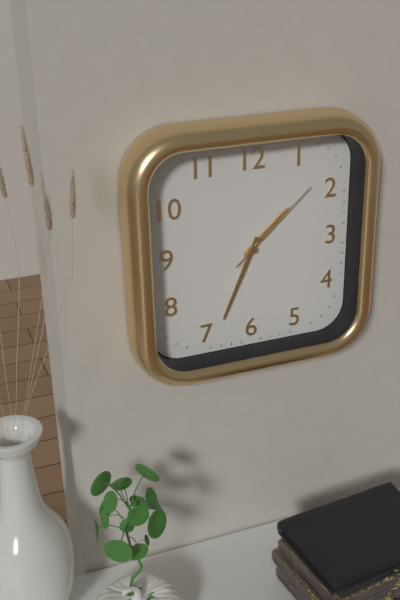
1.34.08
